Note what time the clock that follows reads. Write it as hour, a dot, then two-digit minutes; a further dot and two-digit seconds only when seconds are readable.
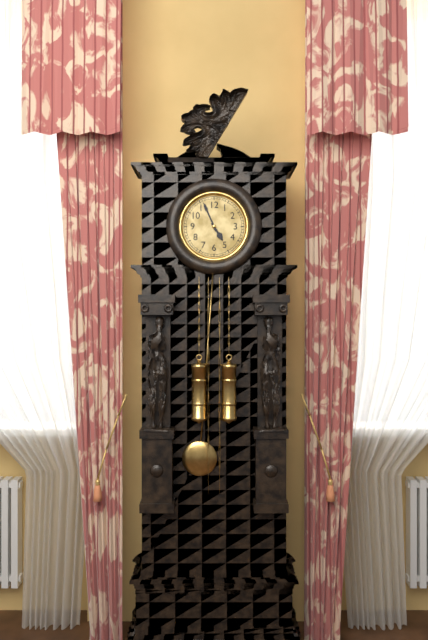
4.56
